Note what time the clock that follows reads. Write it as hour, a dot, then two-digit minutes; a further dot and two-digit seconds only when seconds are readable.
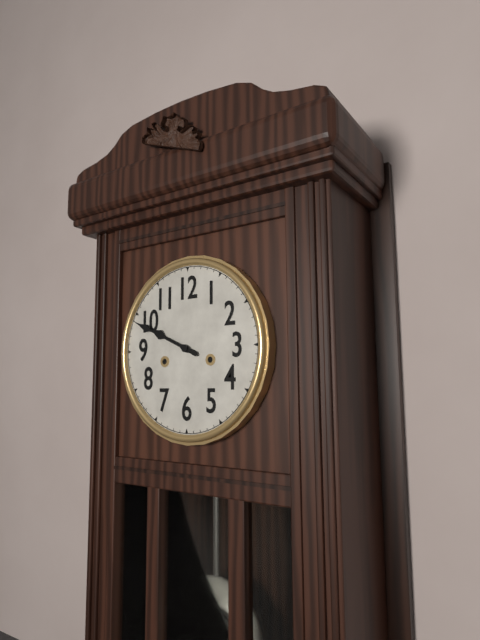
9.49
